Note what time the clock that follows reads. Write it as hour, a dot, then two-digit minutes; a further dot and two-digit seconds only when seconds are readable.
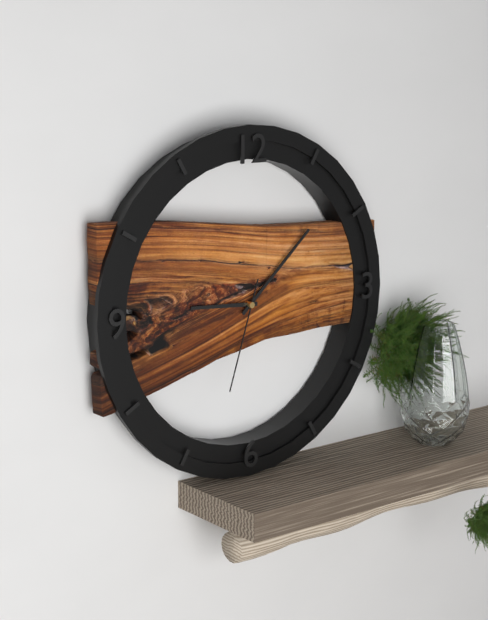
9.08.33
